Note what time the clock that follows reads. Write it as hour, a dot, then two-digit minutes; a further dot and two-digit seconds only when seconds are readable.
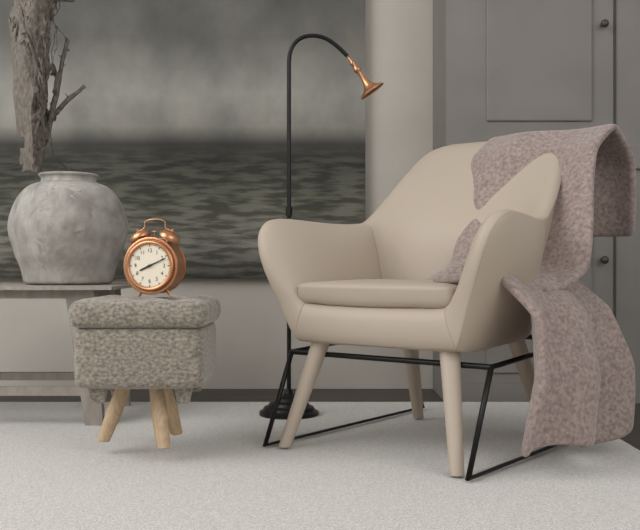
8.11
